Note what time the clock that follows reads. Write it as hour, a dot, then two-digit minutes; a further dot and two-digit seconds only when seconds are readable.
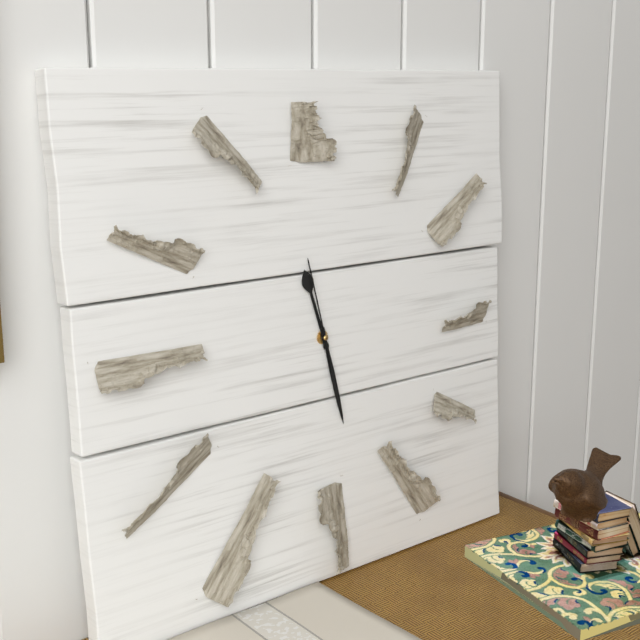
11.28.58
